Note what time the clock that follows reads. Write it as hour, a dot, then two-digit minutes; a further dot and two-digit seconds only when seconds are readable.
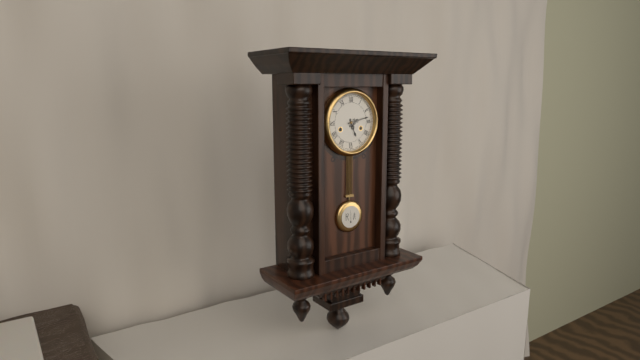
5.13
